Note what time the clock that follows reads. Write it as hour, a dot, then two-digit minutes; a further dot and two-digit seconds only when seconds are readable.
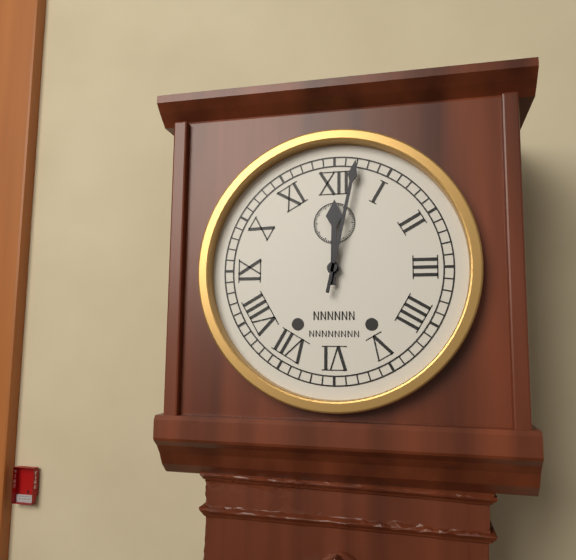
12.02
